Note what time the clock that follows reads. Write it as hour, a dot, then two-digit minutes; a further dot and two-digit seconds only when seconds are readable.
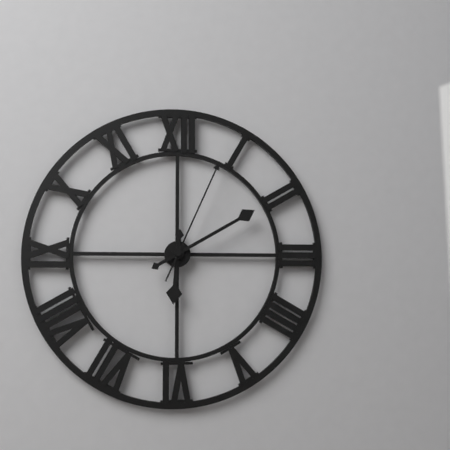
6.10.04
